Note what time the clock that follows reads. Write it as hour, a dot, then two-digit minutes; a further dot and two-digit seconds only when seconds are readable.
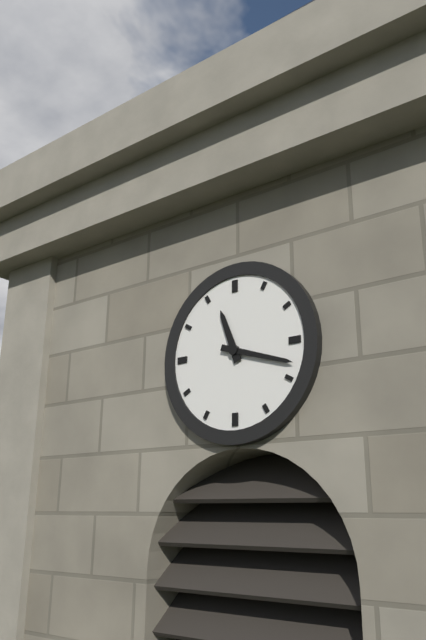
11.18
